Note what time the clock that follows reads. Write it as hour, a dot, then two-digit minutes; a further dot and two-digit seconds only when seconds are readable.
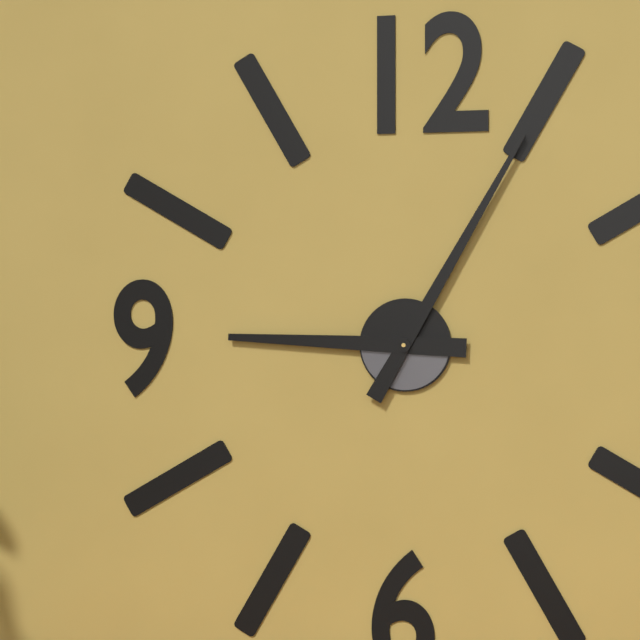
9.05
